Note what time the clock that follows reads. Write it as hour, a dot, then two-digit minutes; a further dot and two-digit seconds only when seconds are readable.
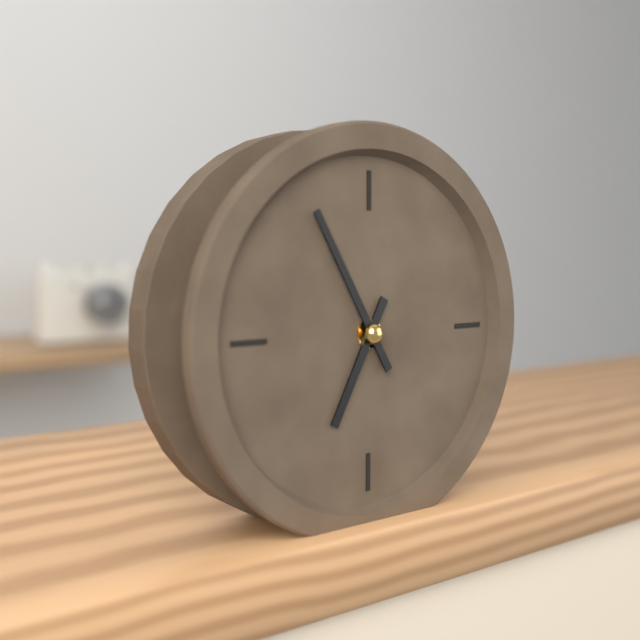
6.55
